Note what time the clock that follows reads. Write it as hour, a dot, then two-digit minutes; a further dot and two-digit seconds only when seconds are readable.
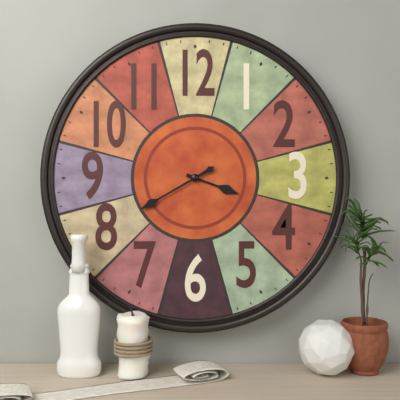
3.40
